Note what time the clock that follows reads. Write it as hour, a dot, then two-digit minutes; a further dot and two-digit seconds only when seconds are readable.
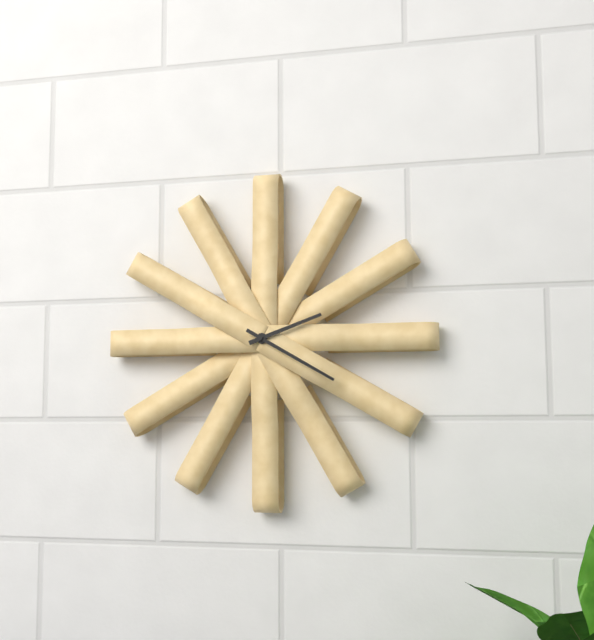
2.20
